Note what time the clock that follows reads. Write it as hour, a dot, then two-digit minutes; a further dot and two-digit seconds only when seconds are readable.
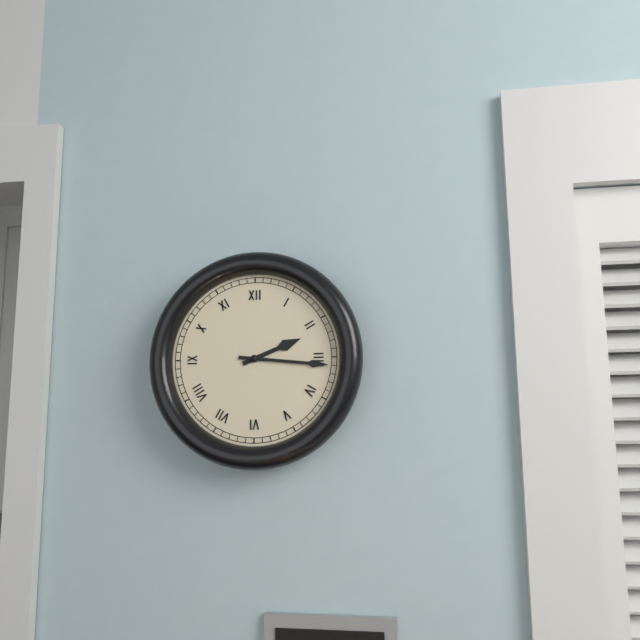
2.16
